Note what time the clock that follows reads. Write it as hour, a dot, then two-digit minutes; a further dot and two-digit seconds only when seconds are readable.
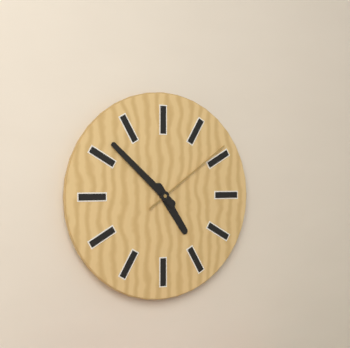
4.52.09
